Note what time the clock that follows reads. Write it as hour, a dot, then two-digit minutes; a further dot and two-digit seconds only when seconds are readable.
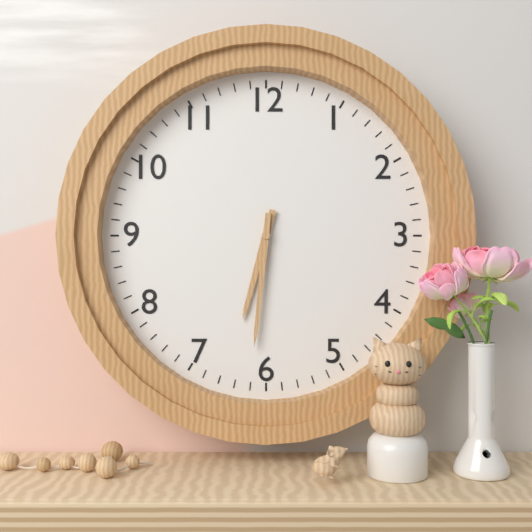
6.31
